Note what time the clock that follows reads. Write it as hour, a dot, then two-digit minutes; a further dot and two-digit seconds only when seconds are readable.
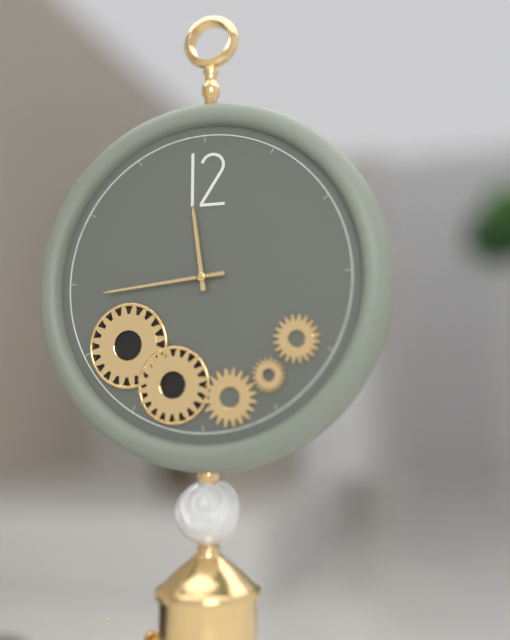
11.44
